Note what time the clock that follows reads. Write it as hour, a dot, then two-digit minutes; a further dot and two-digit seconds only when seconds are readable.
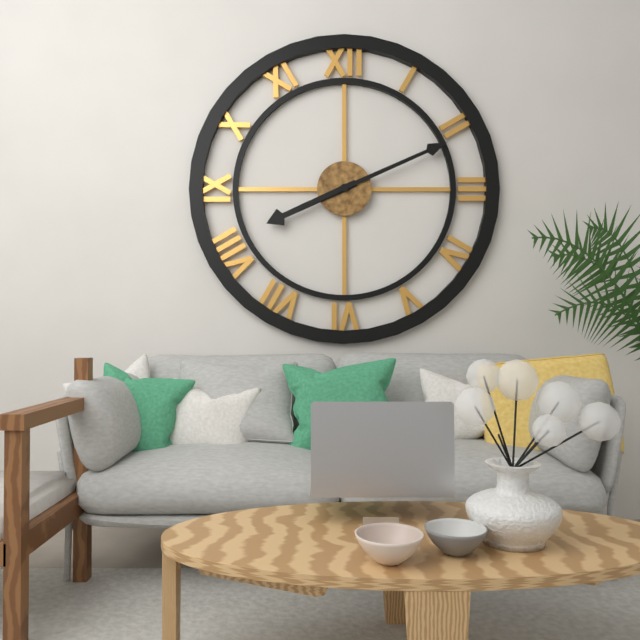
8.11
